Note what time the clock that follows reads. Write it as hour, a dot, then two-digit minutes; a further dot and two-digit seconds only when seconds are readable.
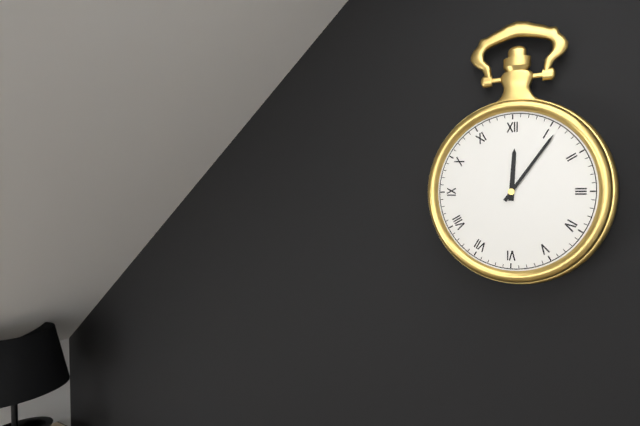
12.06
